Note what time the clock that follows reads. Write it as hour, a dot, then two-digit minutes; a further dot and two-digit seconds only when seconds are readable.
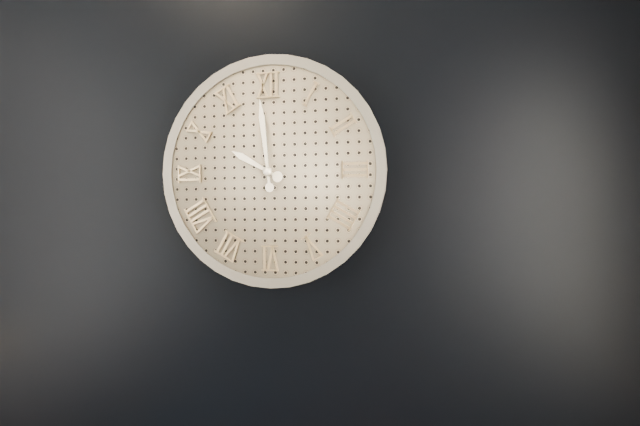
9.59
